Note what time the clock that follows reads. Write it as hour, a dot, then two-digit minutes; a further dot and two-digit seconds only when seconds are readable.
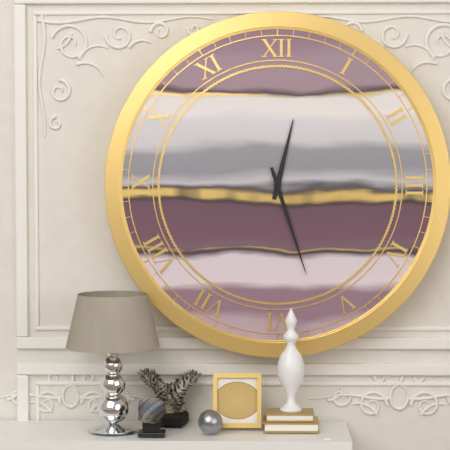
12.27
